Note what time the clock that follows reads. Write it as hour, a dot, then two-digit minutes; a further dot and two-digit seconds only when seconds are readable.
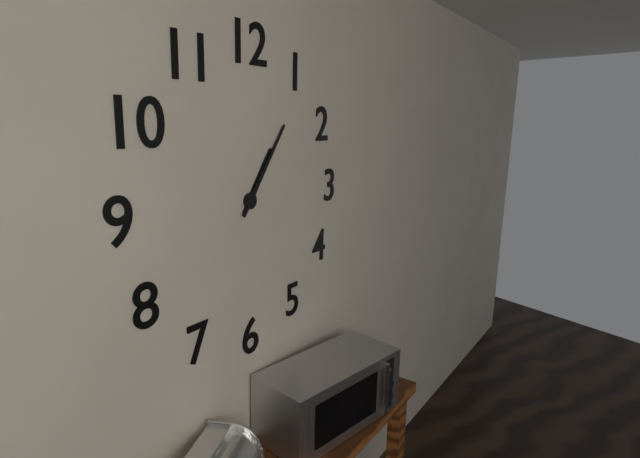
1.06
